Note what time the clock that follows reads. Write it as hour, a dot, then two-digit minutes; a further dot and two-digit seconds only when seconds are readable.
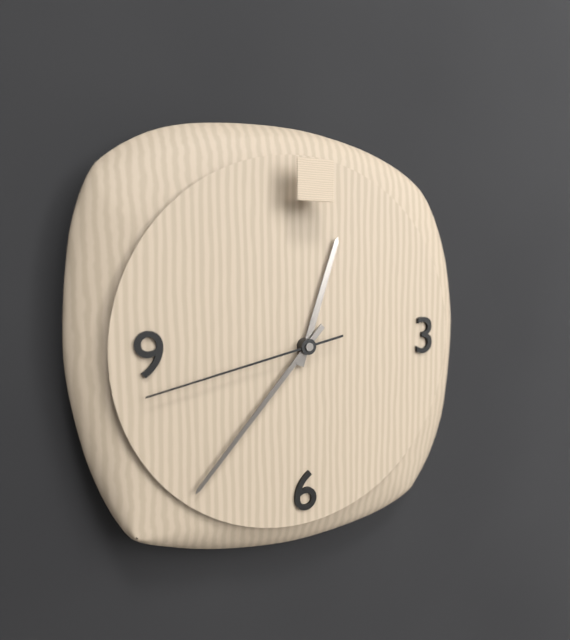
12.37.43
